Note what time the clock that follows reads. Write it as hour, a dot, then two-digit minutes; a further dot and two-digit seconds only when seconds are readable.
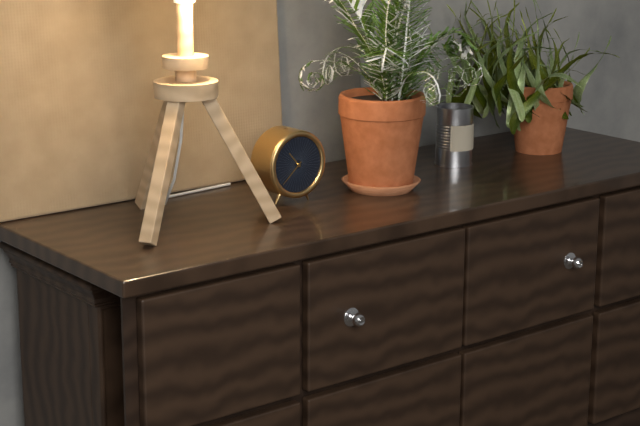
10.38
